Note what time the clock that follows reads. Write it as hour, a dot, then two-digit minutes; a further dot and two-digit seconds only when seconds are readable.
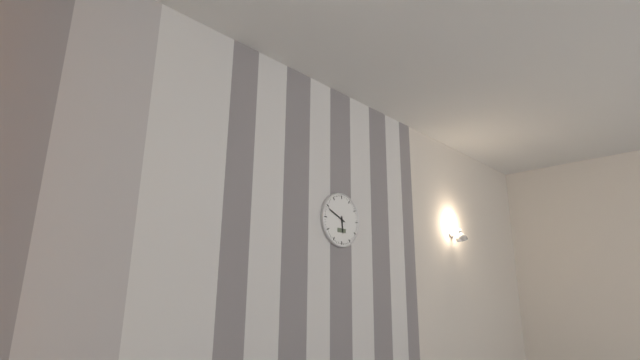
5.49
